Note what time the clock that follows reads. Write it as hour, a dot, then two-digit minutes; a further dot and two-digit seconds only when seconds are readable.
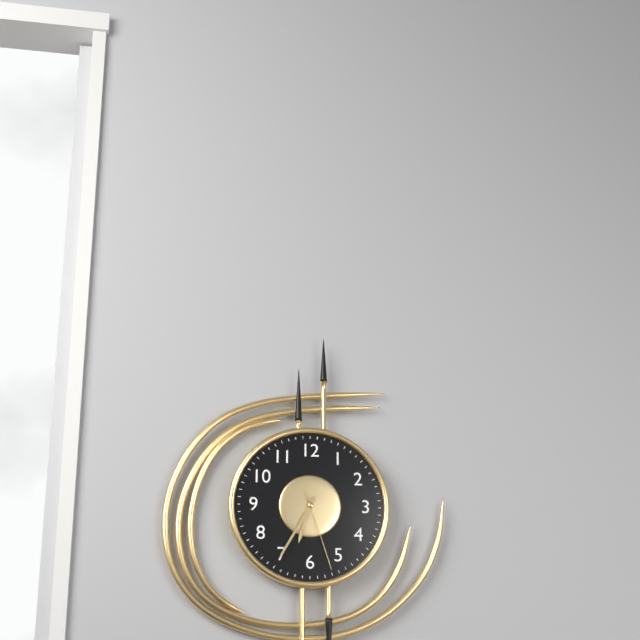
6.35.27
